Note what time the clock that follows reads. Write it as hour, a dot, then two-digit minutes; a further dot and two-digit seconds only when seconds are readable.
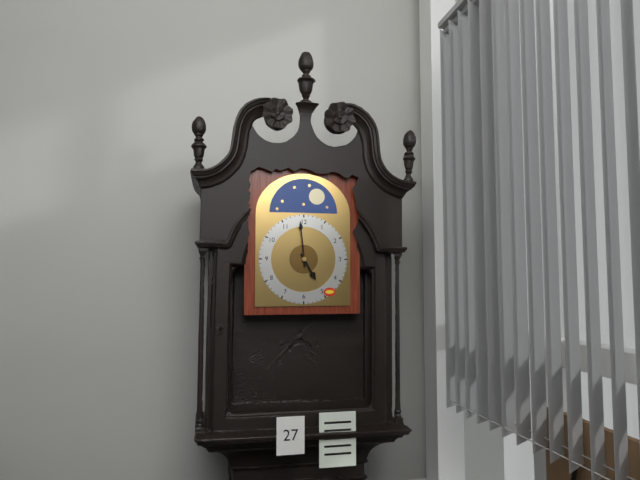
4.59
